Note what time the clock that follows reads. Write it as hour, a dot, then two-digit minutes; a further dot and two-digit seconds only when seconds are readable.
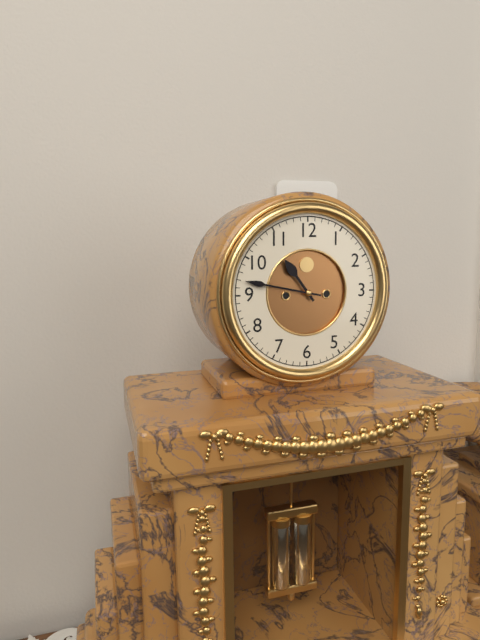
10.47
